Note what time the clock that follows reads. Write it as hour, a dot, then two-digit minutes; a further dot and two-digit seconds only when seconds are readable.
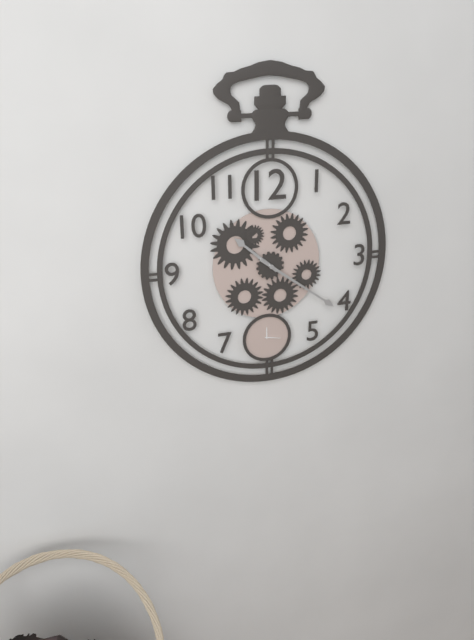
10.21
